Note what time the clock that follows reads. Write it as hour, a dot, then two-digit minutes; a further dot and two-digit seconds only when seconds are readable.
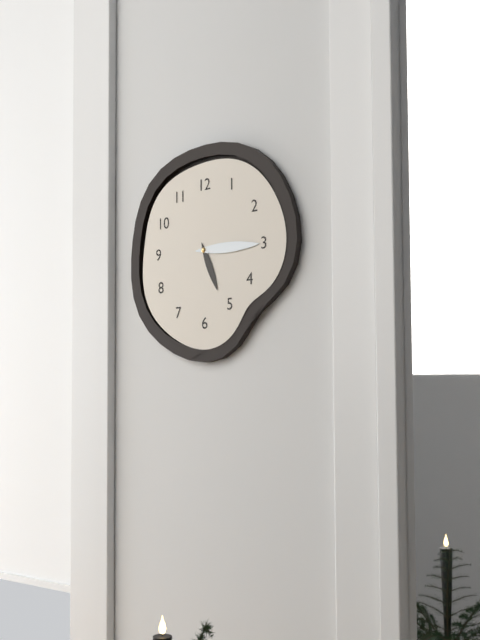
5.15
